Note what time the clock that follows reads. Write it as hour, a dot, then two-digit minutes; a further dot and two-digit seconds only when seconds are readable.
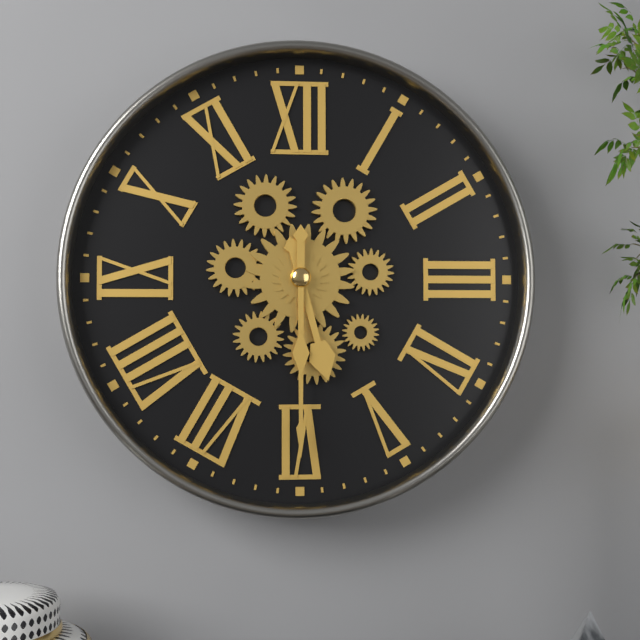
5.30
